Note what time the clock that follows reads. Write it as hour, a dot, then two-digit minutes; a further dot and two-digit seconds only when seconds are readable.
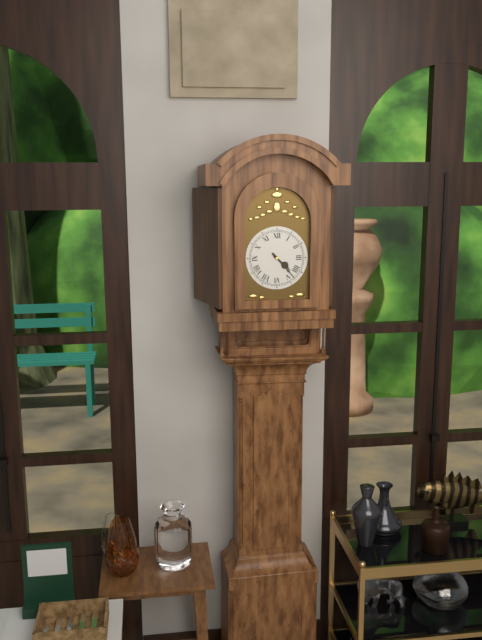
4.23
